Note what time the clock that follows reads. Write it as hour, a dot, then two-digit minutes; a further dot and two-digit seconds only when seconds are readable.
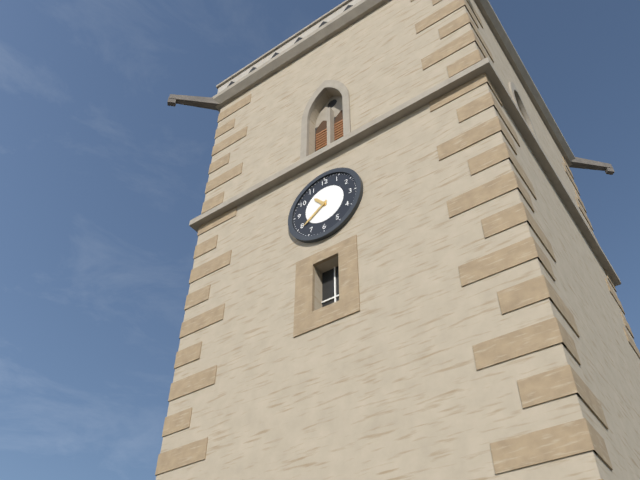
10.39
